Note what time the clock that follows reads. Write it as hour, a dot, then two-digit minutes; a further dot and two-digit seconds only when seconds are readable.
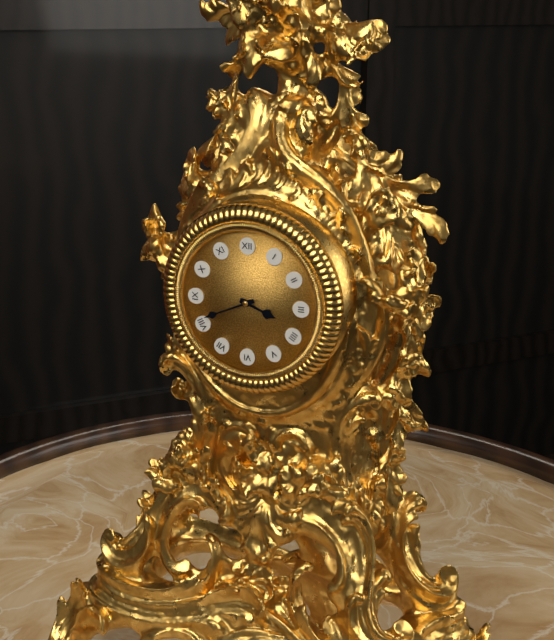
3.41
